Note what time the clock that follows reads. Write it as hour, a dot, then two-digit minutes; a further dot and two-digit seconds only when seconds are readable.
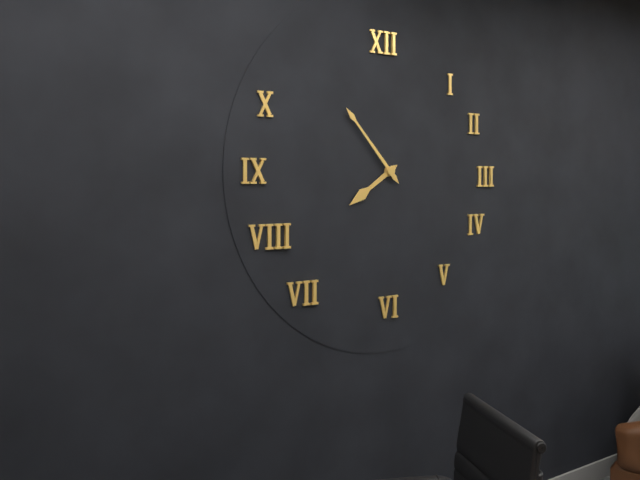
7.53
